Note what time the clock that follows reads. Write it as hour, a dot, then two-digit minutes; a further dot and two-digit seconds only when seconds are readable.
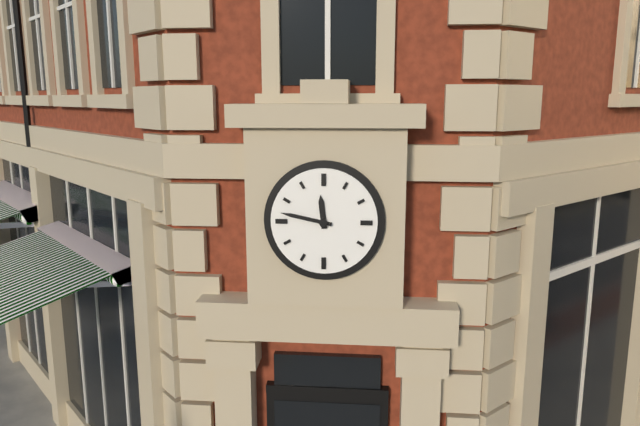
11.47
